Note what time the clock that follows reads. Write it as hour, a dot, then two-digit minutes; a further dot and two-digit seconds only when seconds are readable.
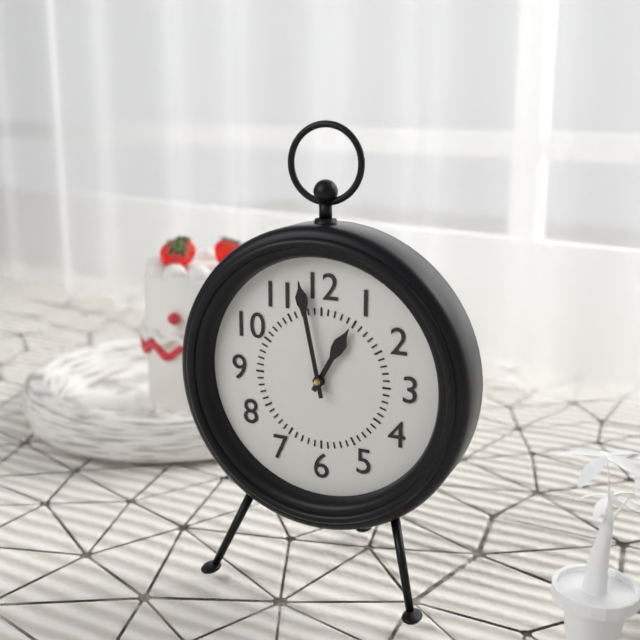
12.58
